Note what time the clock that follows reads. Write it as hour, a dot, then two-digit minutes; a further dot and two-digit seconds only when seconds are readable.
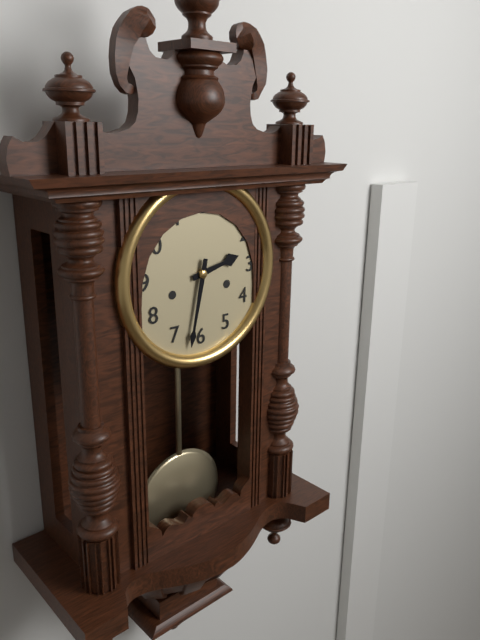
2.32
